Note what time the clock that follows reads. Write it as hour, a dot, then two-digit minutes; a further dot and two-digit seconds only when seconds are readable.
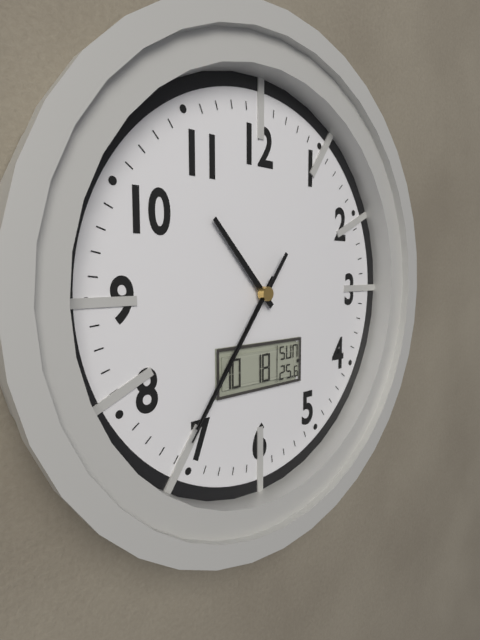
10.36.36
